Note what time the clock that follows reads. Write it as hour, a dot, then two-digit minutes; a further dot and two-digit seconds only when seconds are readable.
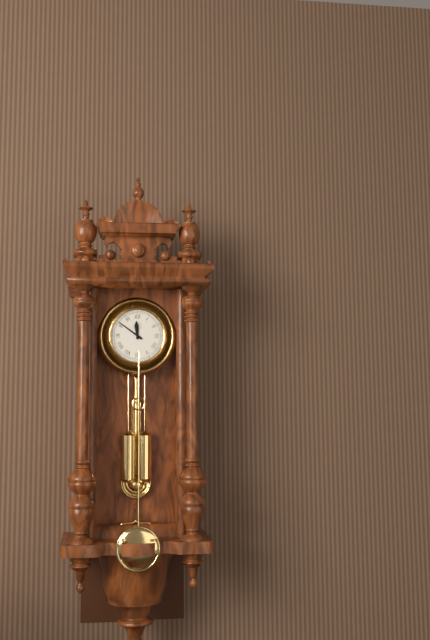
11.51
